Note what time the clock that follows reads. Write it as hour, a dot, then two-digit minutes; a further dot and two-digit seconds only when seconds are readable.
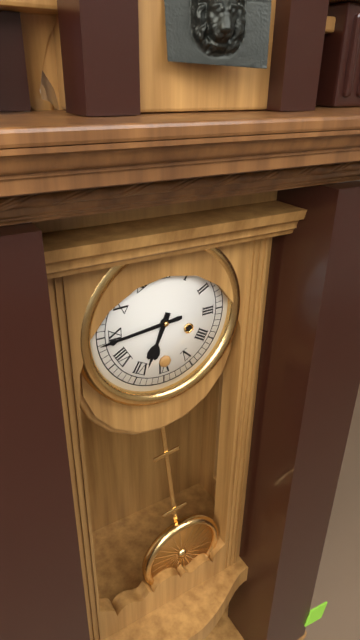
6.44
